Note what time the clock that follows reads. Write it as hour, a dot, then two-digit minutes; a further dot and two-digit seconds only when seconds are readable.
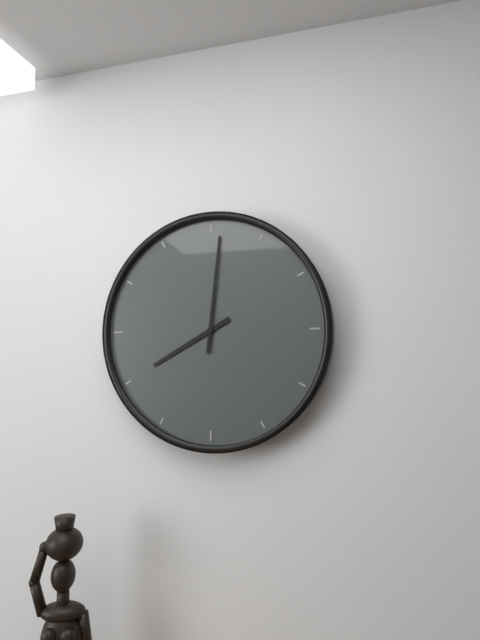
8.01
